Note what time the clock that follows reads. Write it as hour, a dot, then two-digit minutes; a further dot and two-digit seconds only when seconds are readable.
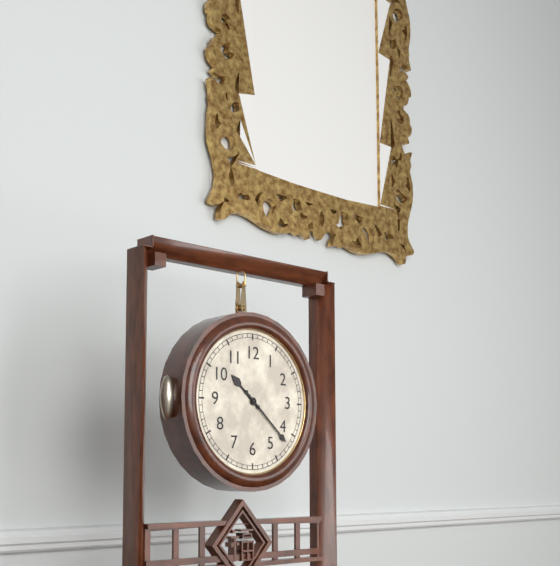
10.22
